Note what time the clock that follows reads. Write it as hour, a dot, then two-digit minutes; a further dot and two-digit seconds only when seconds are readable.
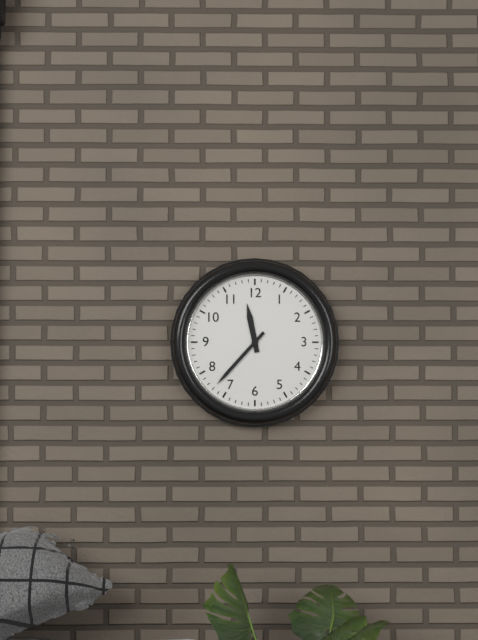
11.37
